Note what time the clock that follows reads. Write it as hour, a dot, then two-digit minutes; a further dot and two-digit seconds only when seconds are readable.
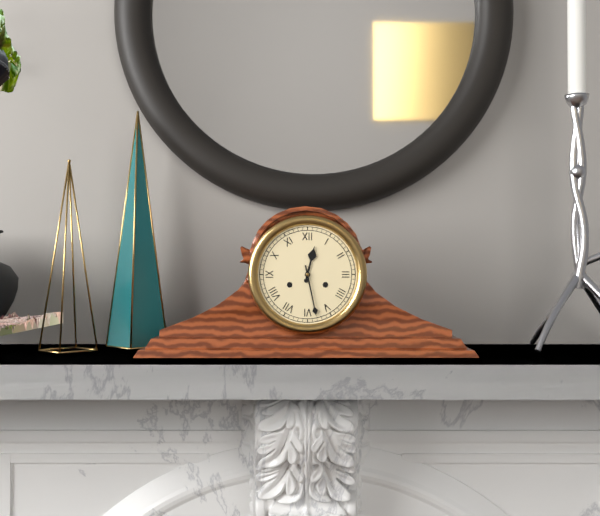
12.28
